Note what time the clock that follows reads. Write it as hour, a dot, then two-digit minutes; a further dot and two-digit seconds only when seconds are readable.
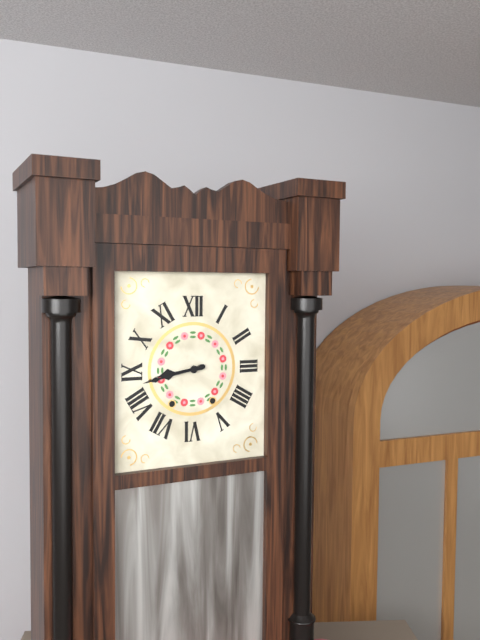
8.43
